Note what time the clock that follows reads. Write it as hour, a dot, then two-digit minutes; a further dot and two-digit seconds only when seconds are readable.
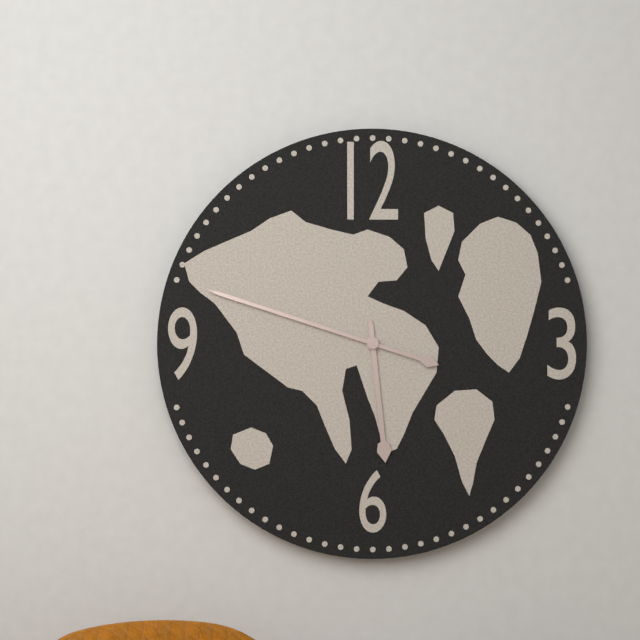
5.48
